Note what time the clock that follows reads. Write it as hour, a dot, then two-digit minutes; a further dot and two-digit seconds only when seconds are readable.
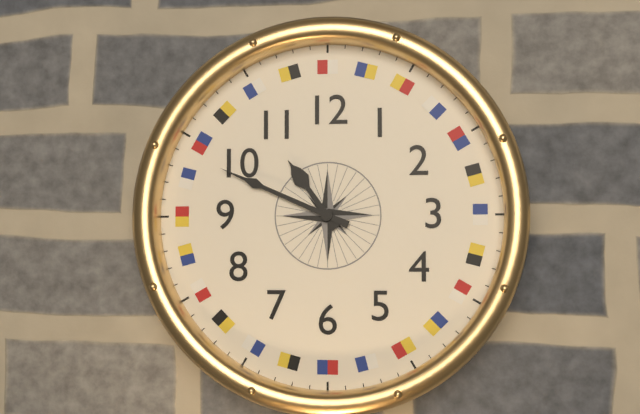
10.49
